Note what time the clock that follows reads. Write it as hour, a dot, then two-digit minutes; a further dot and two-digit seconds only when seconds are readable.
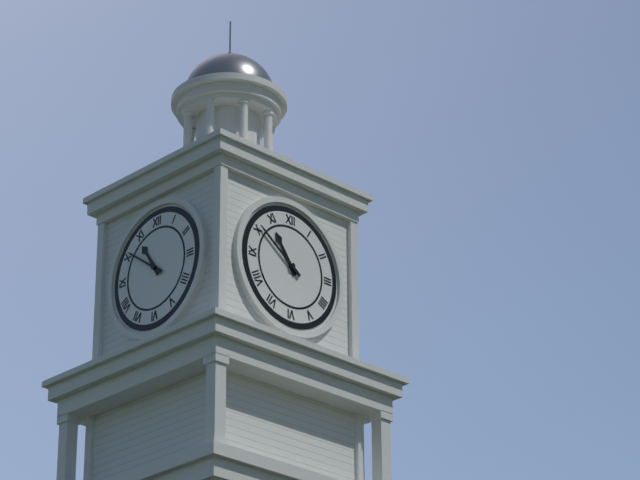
10.51
